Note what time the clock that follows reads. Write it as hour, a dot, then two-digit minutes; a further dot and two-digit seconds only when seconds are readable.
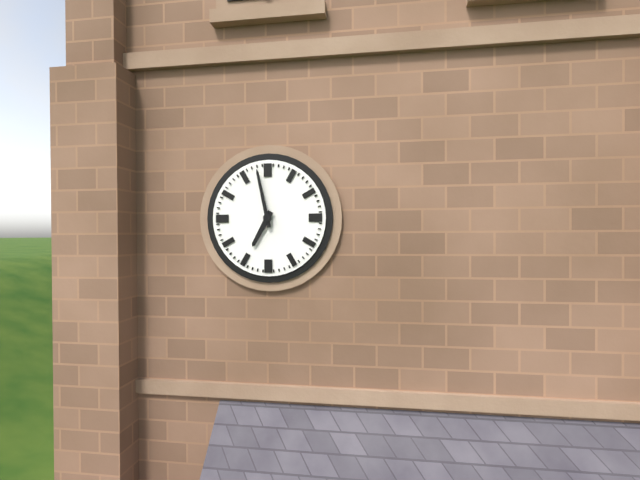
6.58
